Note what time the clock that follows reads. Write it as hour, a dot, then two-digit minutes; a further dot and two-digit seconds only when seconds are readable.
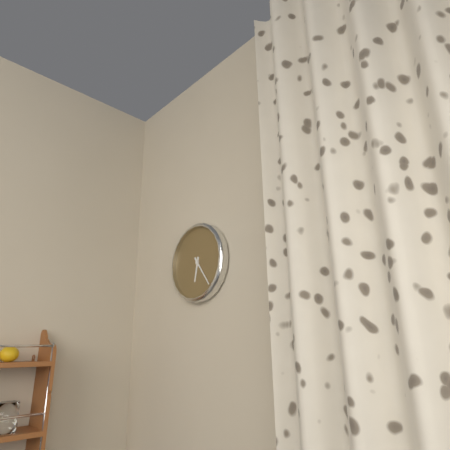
6.24
